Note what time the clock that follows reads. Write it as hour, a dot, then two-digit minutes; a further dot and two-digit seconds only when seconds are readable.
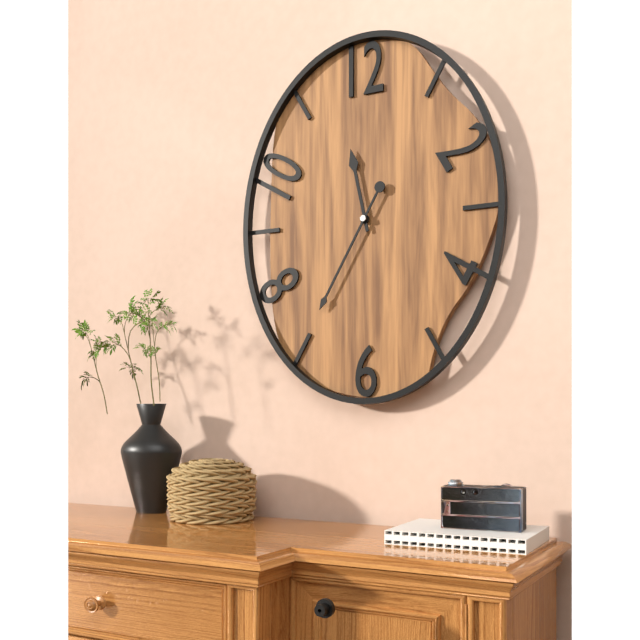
11.35
